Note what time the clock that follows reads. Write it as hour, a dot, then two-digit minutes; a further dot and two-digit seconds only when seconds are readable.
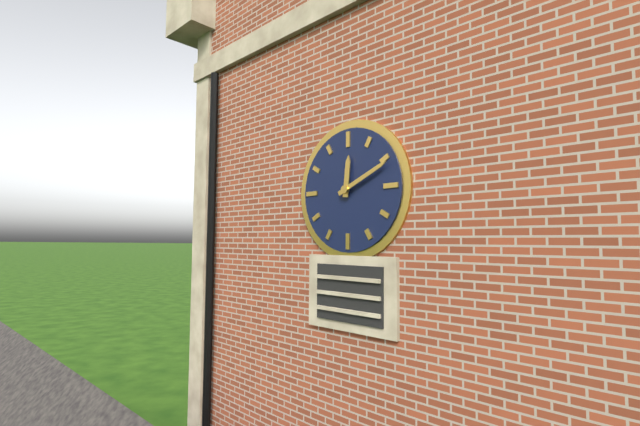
12.11
